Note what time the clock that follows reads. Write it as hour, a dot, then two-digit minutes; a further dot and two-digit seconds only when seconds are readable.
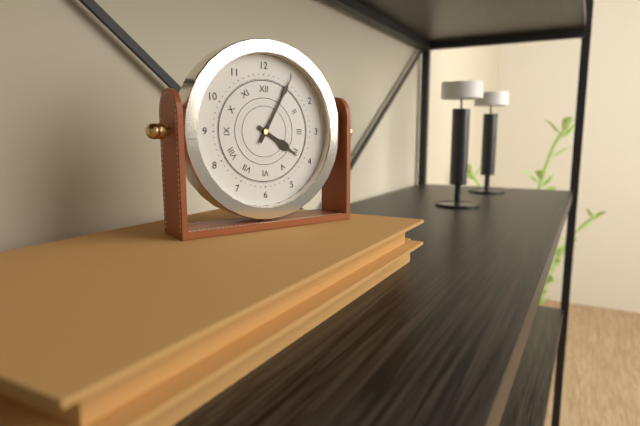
4.05
